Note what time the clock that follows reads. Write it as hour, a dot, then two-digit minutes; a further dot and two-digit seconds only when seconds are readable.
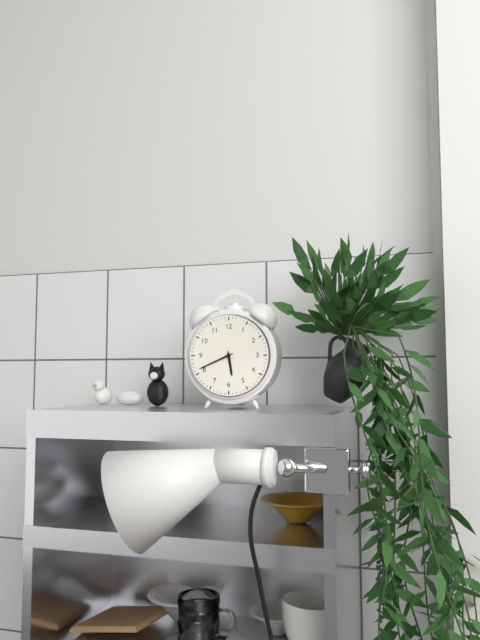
5.41
